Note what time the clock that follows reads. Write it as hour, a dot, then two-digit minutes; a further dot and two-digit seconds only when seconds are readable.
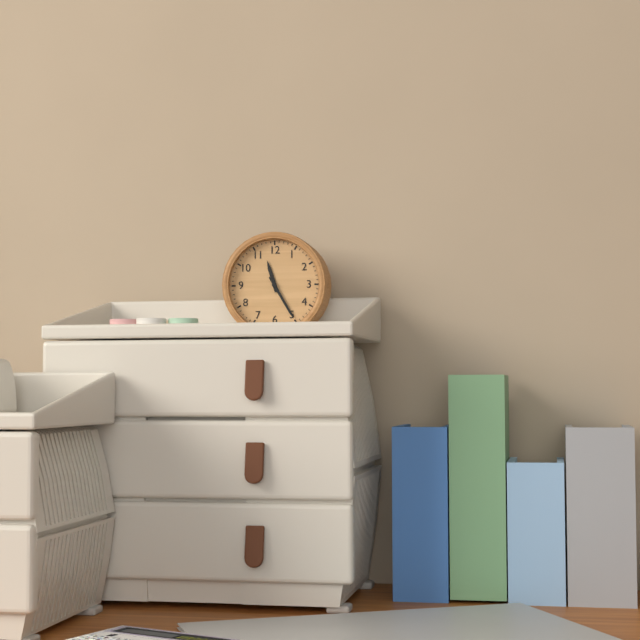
11.25
